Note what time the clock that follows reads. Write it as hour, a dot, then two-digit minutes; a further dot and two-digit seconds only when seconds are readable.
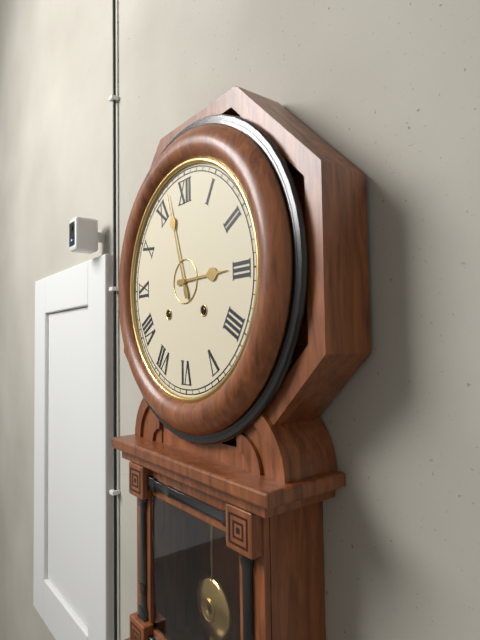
2.57
